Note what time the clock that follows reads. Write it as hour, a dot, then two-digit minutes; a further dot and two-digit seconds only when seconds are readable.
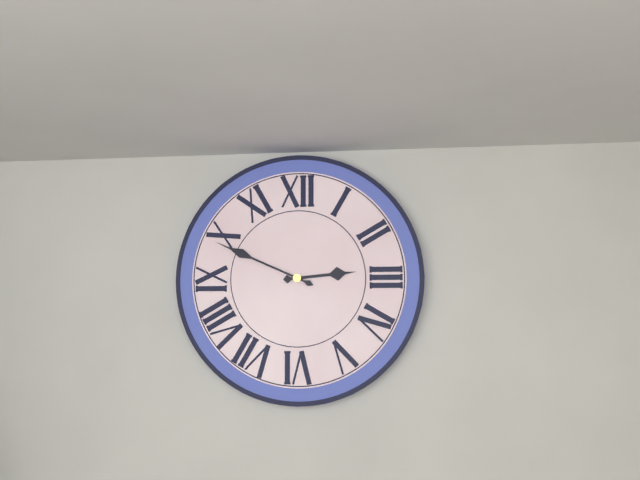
2.49
